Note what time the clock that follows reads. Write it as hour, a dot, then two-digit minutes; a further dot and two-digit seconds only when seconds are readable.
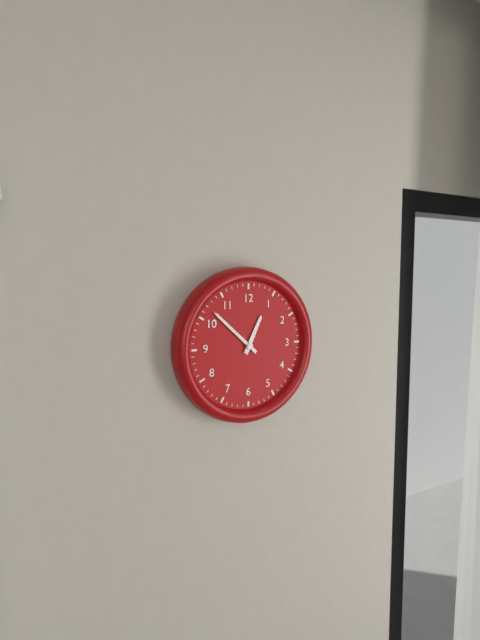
12.52
